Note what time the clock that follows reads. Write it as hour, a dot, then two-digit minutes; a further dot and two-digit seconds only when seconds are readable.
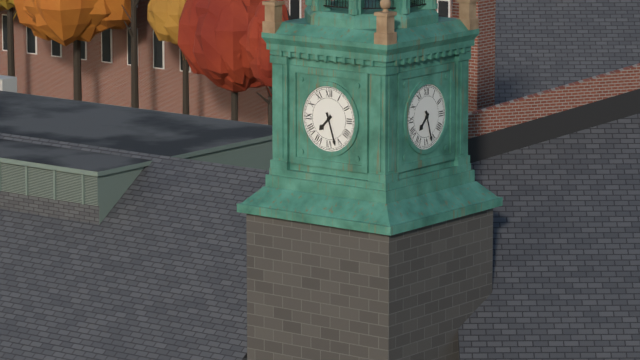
7.27
